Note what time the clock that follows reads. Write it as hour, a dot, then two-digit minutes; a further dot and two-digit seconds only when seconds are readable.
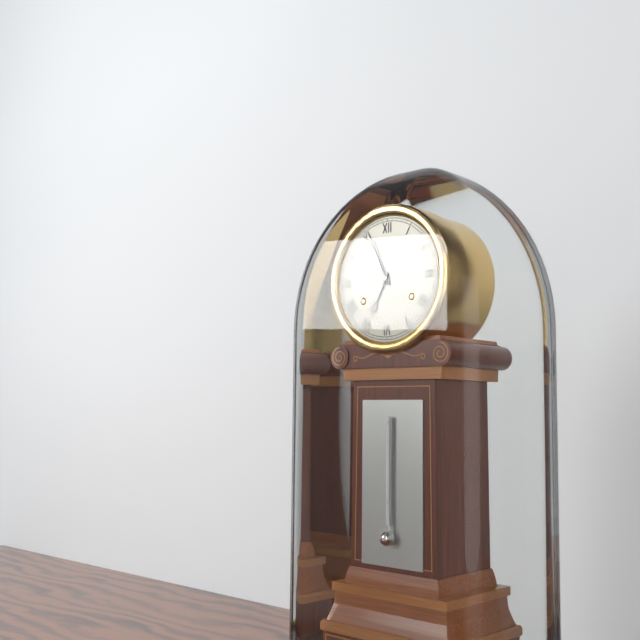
6.56
